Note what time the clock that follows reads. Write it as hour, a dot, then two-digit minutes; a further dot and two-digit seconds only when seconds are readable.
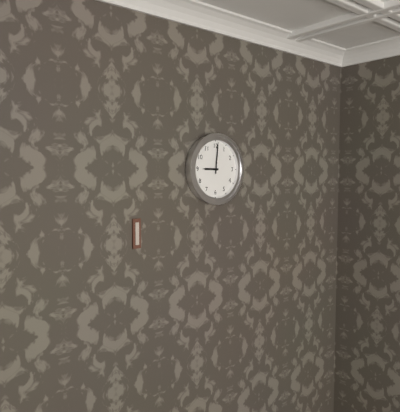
9.01
